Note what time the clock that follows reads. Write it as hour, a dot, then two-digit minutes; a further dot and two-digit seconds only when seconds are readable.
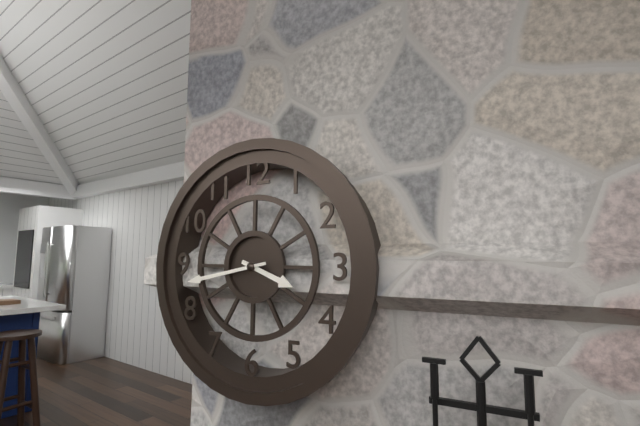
3.43
